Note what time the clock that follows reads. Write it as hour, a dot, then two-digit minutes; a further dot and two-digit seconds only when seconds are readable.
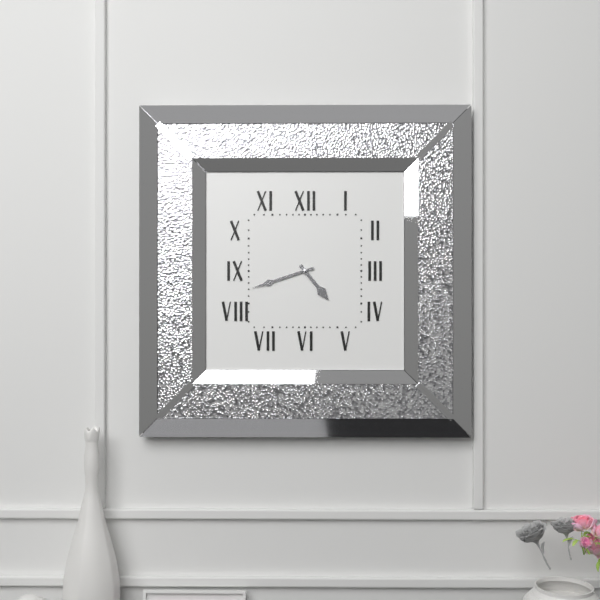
4.42
